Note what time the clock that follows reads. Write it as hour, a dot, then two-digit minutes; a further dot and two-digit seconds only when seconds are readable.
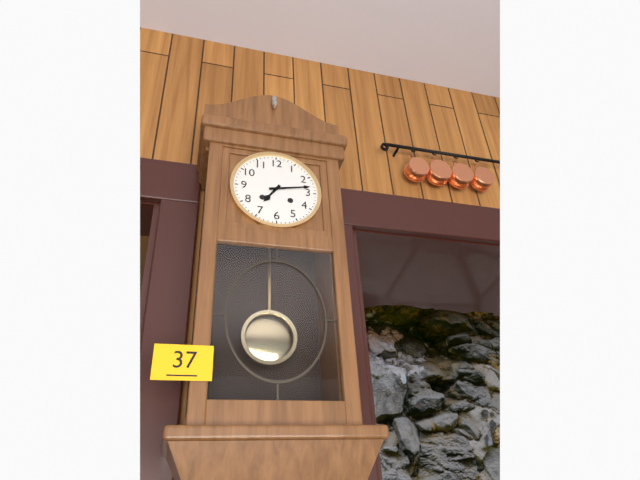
7.13
